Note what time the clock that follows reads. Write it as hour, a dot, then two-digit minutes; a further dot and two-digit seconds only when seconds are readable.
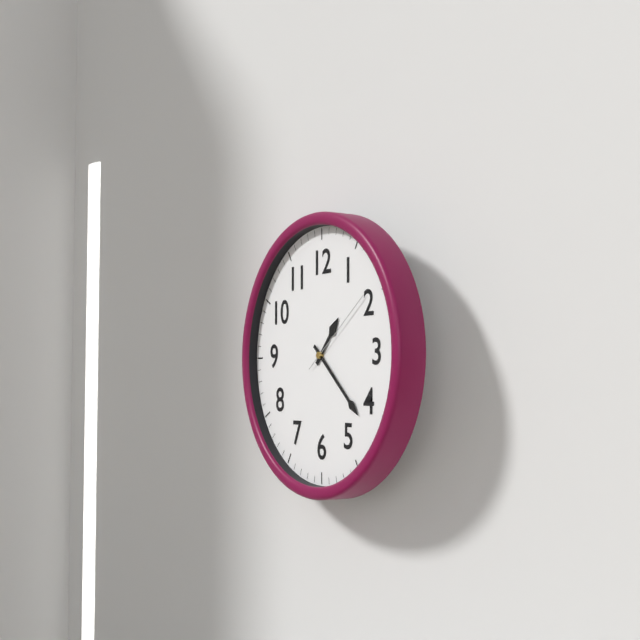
1.22.09
